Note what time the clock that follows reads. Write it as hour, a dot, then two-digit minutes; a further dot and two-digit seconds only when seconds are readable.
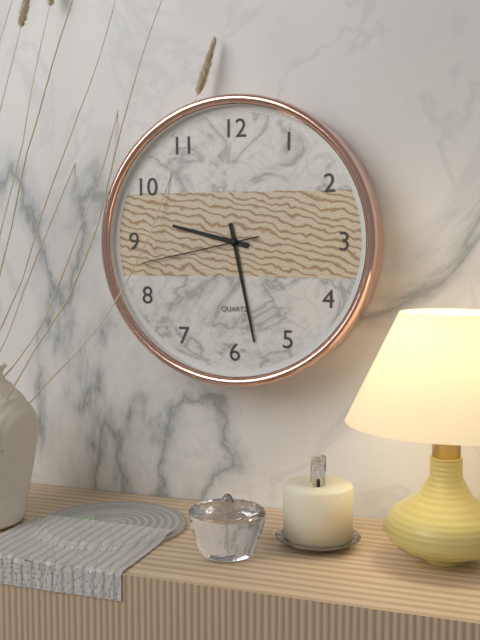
9.28.43
